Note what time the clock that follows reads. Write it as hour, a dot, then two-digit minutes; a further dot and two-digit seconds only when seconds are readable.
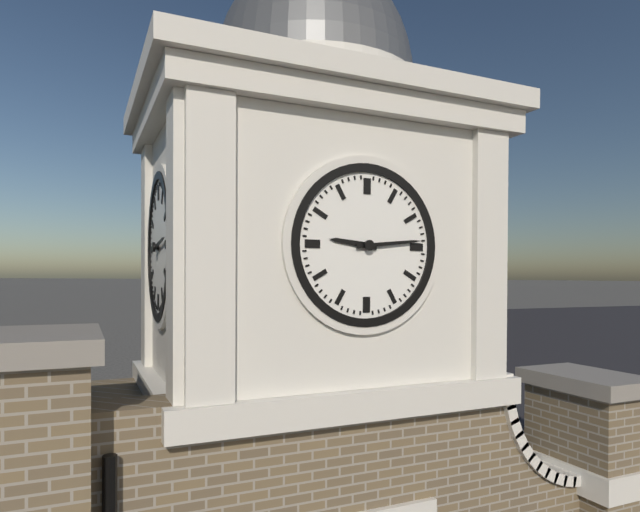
9.14
